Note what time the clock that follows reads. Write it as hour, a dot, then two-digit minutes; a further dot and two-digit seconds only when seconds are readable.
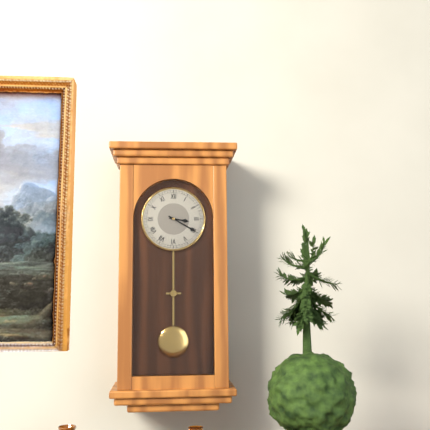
3.20
